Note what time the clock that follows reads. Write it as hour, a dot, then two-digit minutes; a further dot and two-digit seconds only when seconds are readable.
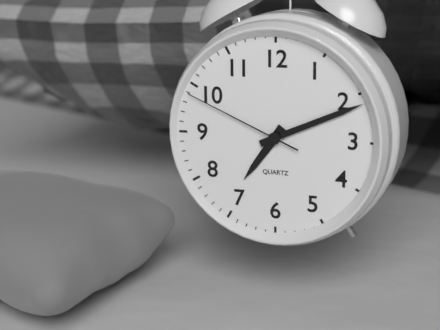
7.11.49
